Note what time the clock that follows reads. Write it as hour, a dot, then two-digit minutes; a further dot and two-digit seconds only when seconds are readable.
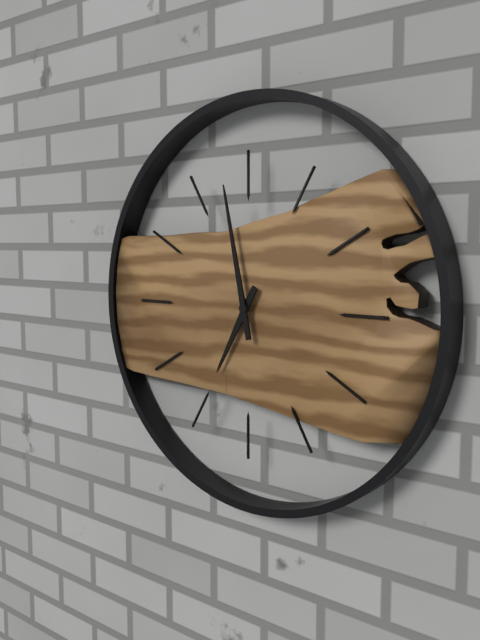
6.58
